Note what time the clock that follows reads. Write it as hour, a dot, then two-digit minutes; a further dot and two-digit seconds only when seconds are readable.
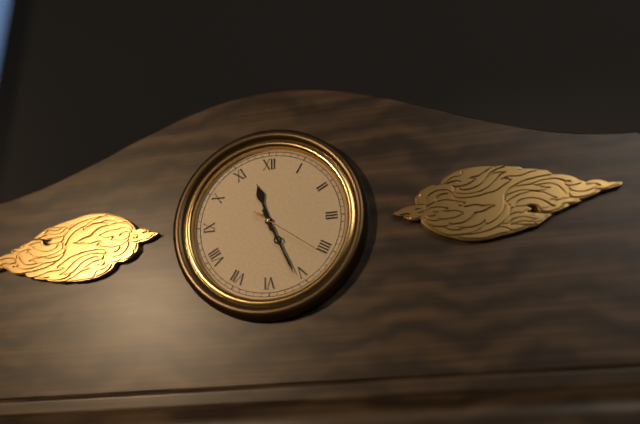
11.26.21
